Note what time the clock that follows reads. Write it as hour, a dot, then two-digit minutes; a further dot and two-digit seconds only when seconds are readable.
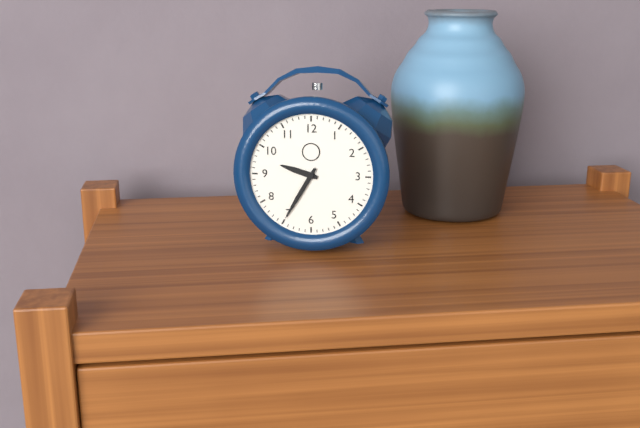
9.35
